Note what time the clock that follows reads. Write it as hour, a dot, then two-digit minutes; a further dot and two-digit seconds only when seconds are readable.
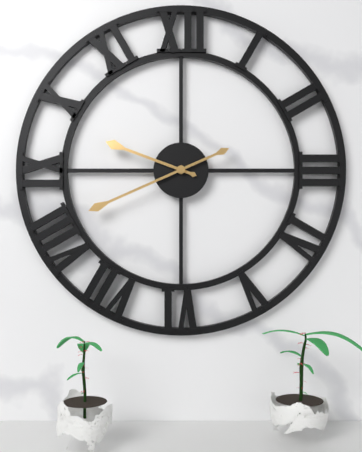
9.41
